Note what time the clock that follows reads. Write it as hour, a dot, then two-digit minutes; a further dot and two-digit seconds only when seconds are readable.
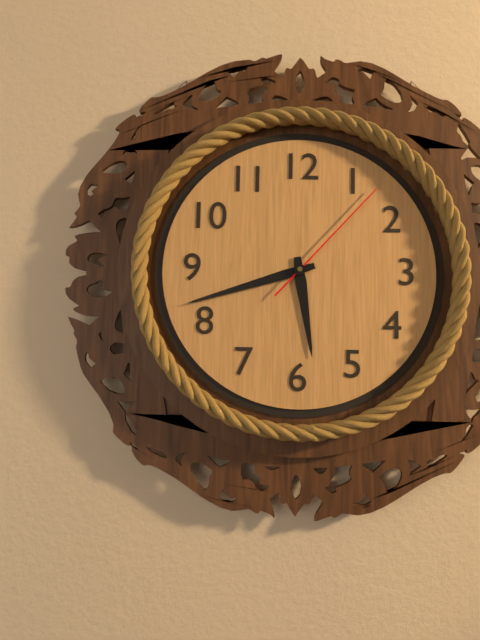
5.42.07
